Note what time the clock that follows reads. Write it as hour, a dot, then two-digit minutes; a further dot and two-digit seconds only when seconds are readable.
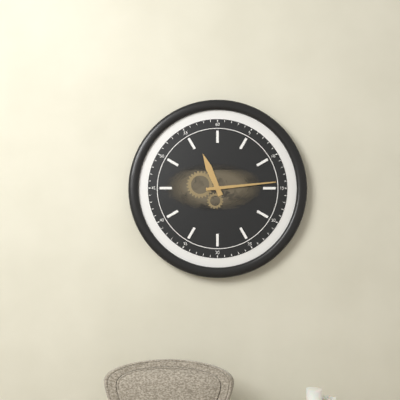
11.14
